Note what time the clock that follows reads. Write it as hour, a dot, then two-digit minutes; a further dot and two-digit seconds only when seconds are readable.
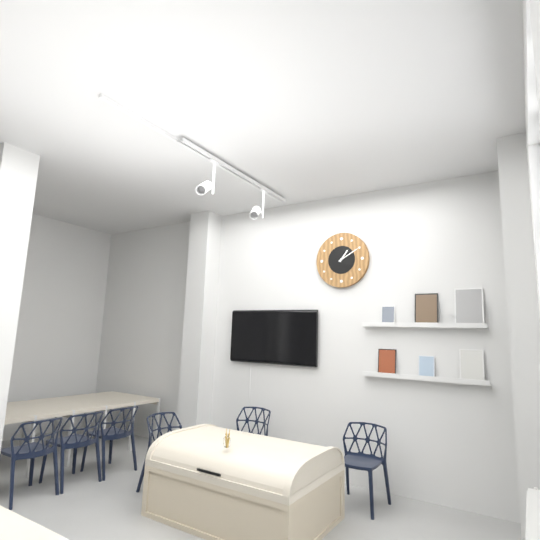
1.10
